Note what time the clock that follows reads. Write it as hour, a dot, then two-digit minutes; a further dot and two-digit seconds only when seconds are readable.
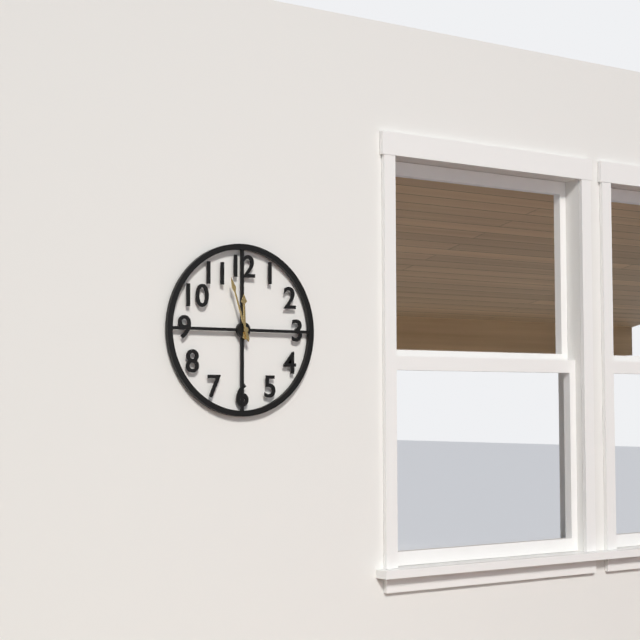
11.57
